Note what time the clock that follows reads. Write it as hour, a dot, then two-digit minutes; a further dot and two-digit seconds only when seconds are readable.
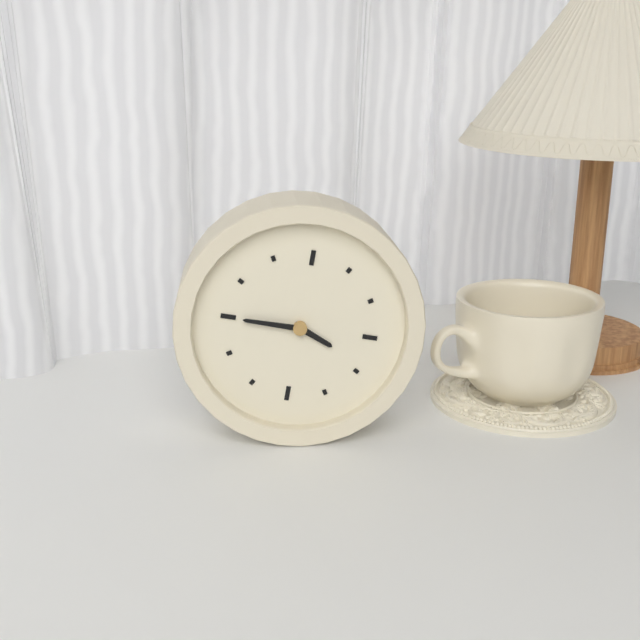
3.45
